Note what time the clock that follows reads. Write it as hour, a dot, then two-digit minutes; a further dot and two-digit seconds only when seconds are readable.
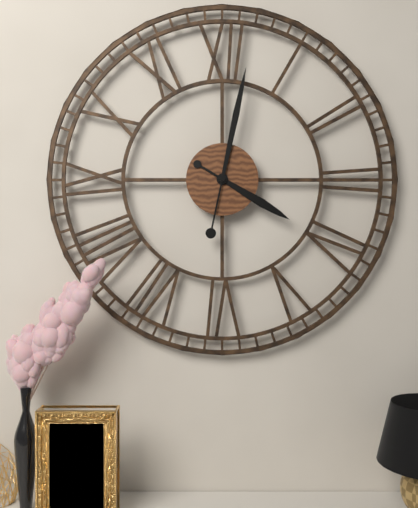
4.02
